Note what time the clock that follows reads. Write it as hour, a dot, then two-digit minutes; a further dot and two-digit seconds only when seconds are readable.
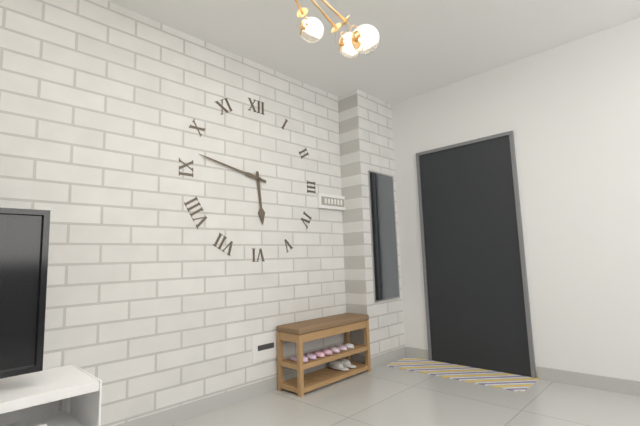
5.47
